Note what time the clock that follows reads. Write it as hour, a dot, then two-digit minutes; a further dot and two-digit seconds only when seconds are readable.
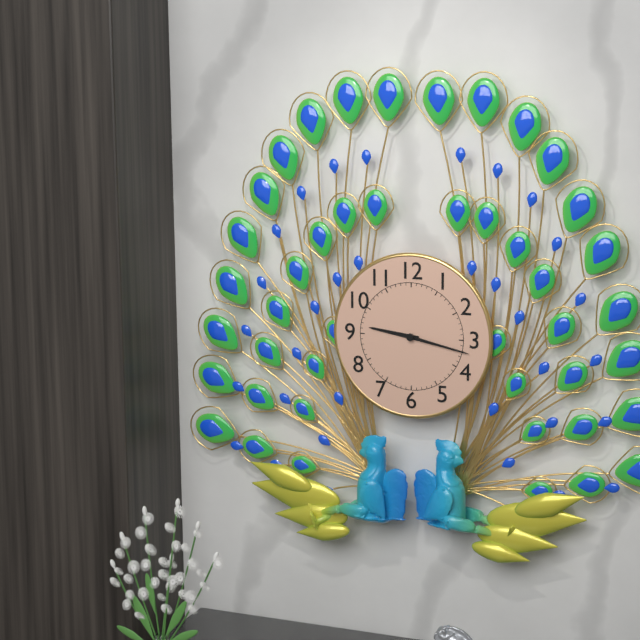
9.17
